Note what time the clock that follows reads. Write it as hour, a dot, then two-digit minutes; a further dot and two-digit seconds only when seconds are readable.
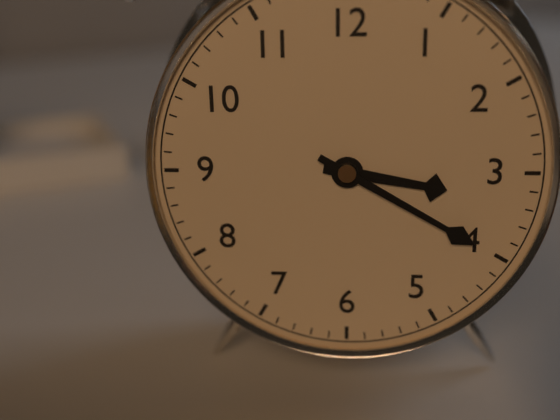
3.20
